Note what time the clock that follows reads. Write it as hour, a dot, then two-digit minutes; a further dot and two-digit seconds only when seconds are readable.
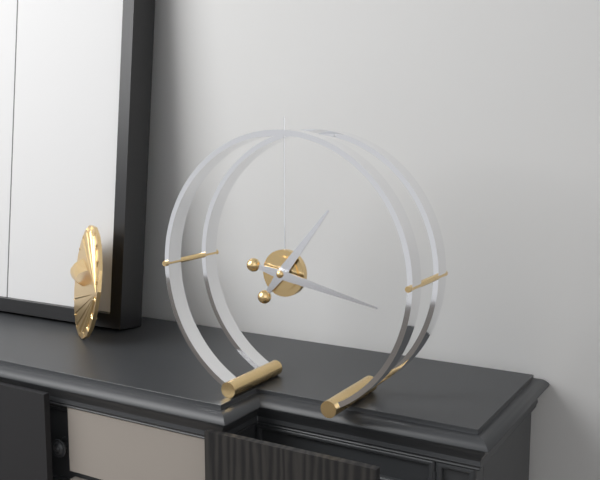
1.17
